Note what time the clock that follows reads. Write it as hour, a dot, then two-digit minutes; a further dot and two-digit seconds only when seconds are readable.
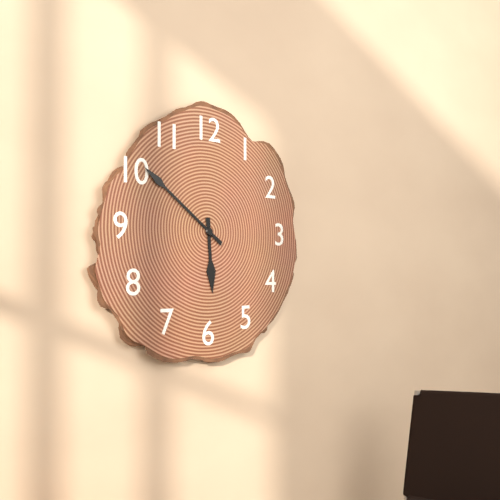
5.51
